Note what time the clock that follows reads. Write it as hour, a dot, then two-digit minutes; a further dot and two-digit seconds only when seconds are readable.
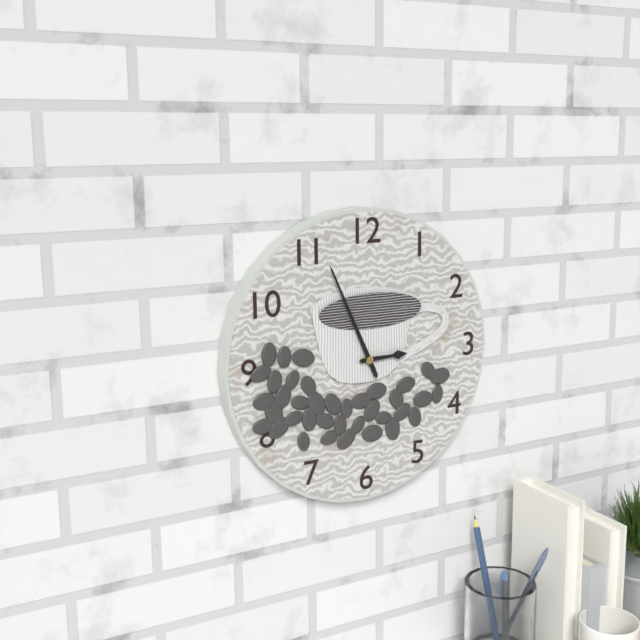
2.56
